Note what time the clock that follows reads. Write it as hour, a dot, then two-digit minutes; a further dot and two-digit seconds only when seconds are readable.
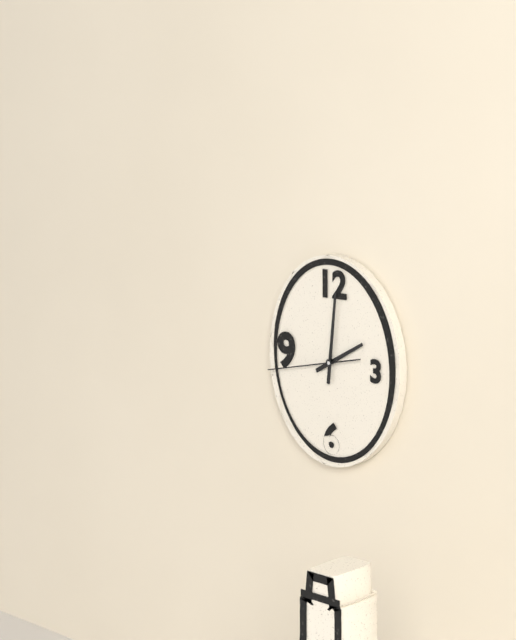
2.01.43
